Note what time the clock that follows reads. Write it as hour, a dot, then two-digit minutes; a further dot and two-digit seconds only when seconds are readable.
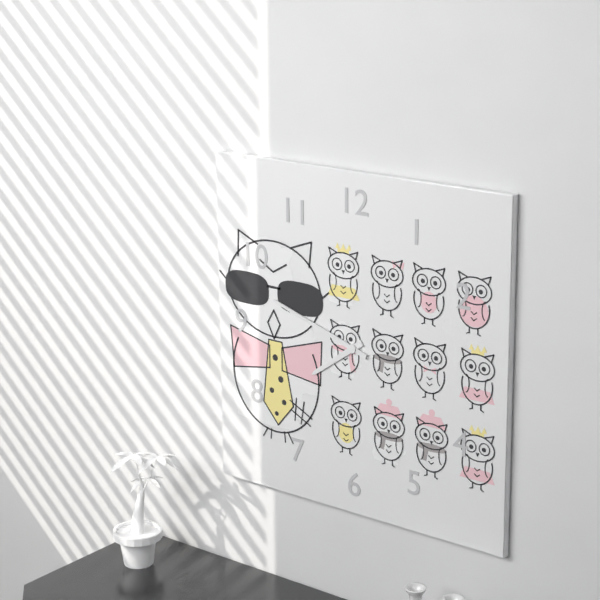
7.48
